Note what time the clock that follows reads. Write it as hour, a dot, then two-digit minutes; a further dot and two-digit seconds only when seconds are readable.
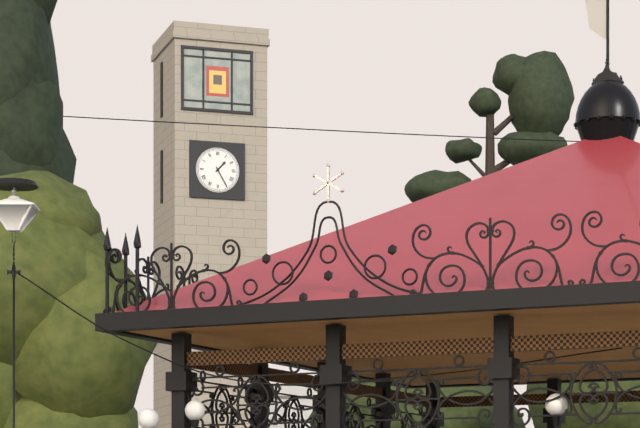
1.25
